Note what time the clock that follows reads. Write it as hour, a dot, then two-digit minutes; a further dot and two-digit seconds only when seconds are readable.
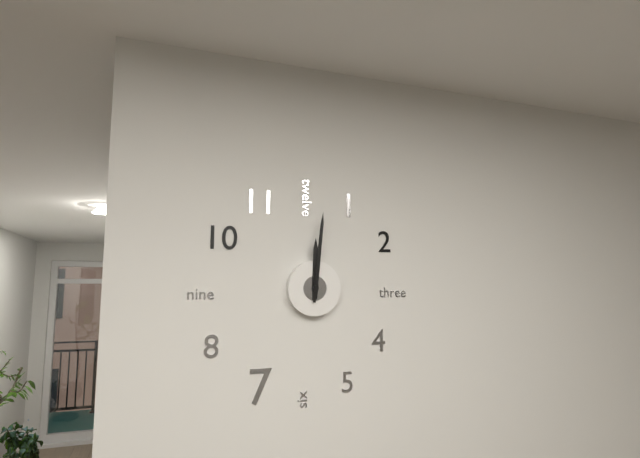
12.01
